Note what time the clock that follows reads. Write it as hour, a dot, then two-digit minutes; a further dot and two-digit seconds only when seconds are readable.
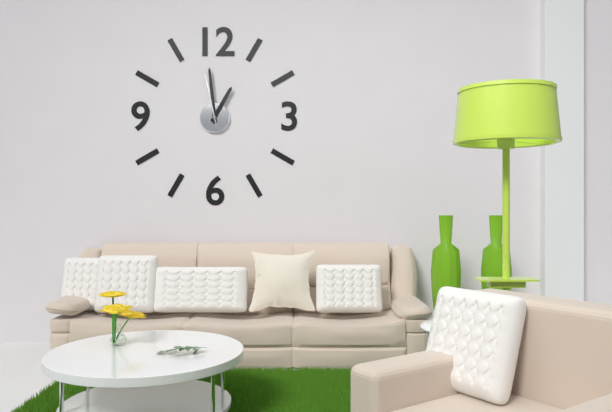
12.59.58
